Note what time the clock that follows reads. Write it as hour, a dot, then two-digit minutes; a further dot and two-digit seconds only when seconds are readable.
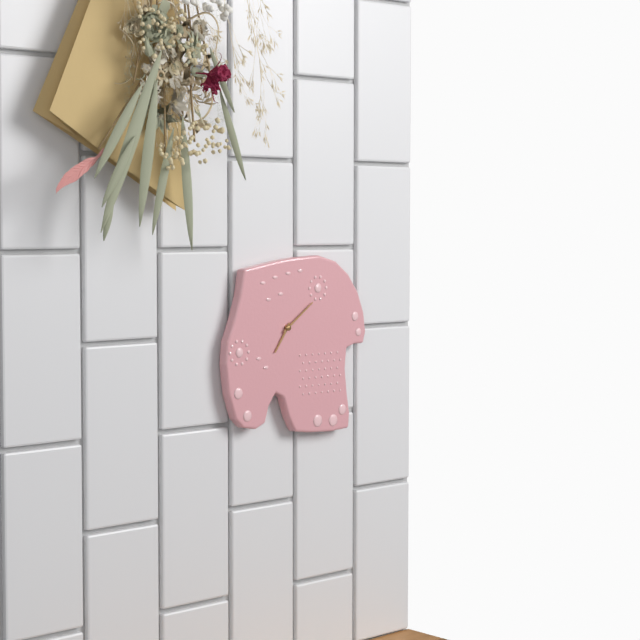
7.09
